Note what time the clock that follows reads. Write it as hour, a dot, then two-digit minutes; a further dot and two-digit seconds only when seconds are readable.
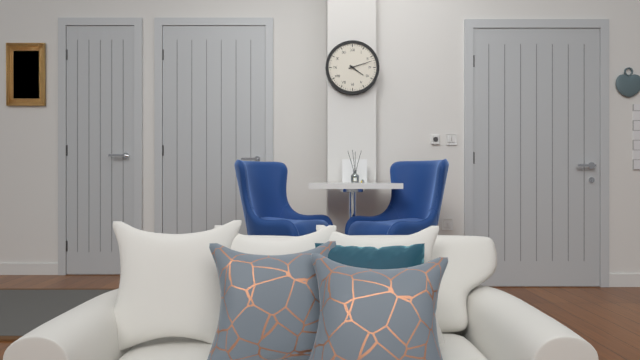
4.12
